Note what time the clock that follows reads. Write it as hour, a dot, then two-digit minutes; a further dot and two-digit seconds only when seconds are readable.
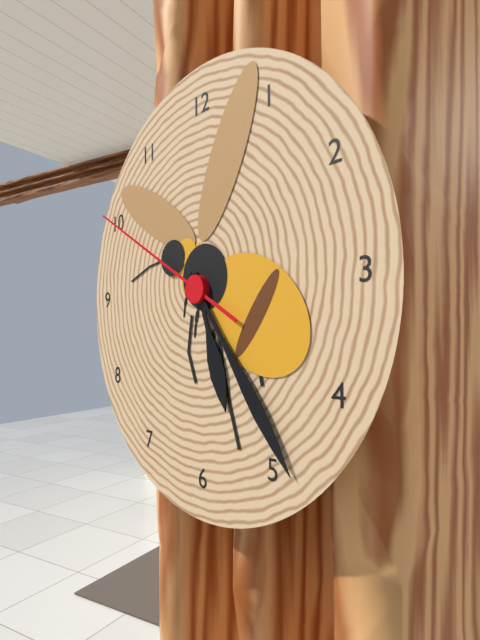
5.24.50
